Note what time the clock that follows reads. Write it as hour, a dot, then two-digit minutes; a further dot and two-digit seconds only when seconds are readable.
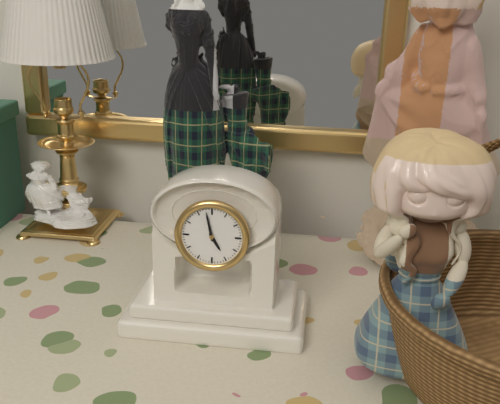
4.58
